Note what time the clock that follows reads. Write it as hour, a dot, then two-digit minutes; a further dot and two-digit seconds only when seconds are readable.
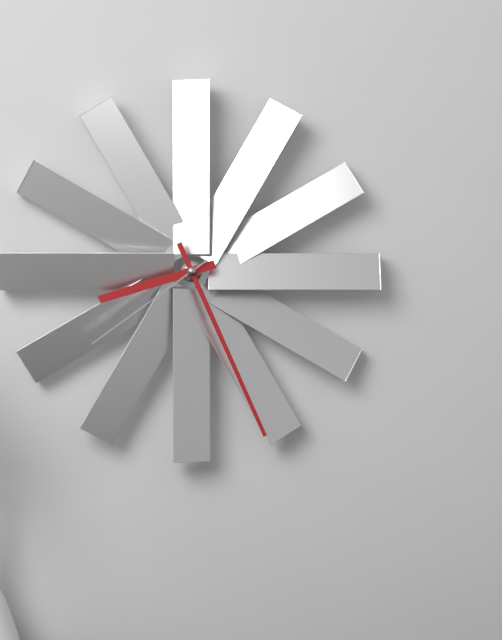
8.26.39
